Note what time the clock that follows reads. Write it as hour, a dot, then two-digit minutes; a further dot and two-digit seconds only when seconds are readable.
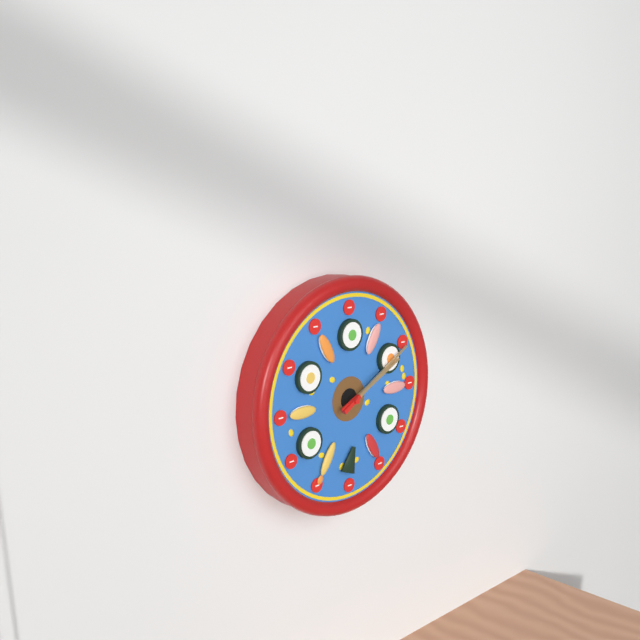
2.10
